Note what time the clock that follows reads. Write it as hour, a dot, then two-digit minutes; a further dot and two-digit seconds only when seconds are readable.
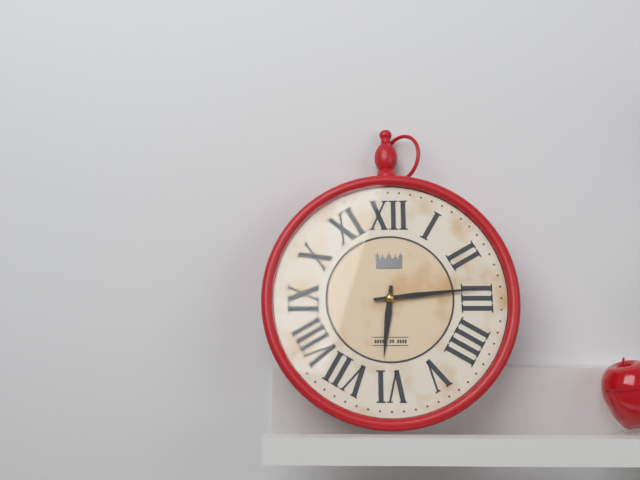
6.14
